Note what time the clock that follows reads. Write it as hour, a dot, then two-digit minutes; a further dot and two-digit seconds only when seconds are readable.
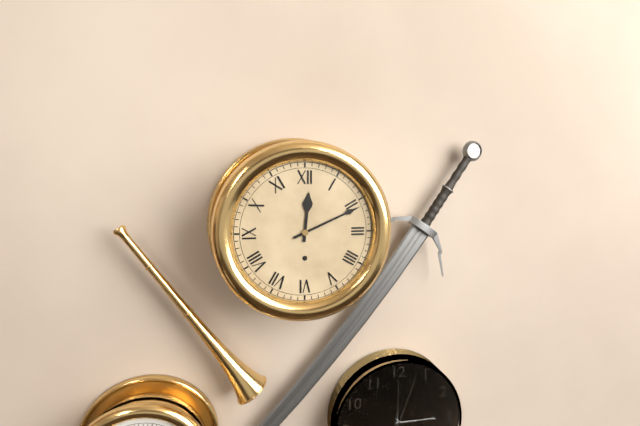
12.11
